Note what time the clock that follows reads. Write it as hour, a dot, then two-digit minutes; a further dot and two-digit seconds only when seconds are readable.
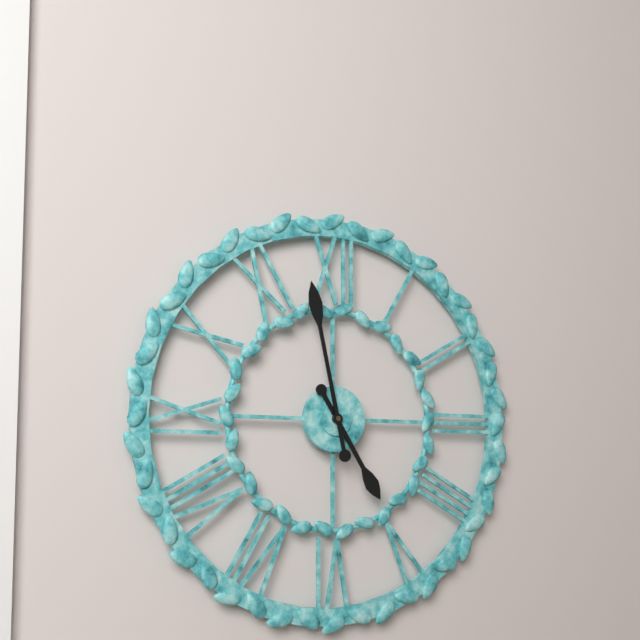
4.58
